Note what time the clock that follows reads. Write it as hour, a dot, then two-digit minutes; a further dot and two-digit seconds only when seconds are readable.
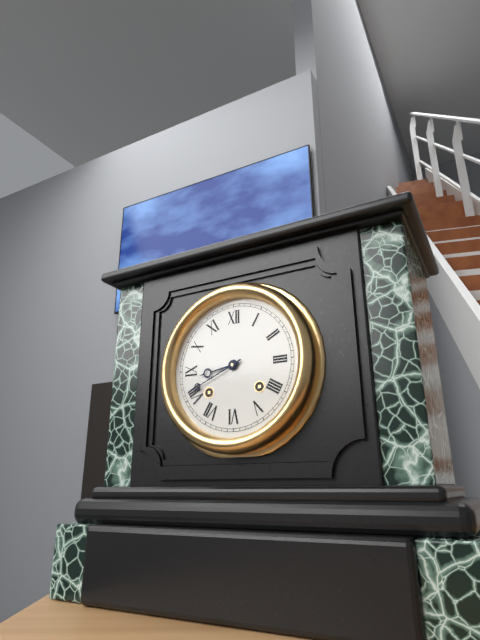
8.41
